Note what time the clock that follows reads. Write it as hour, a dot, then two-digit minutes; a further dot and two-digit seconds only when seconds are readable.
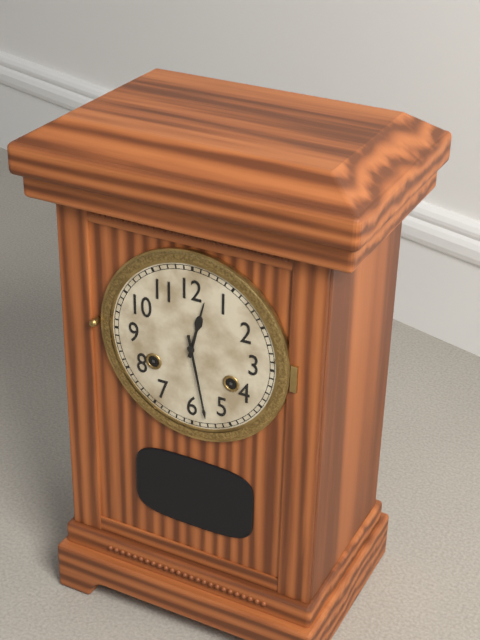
12.28
